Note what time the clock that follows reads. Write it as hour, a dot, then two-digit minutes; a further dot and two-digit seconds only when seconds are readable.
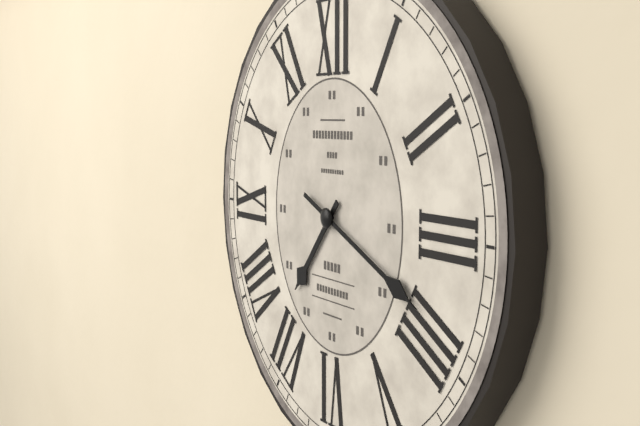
7.19
